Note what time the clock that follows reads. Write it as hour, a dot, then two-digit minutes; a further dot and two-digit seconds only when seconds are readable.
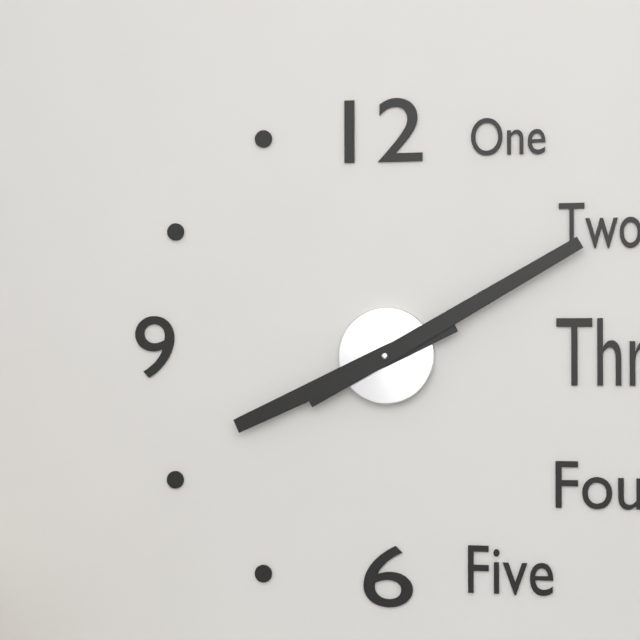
8.10
